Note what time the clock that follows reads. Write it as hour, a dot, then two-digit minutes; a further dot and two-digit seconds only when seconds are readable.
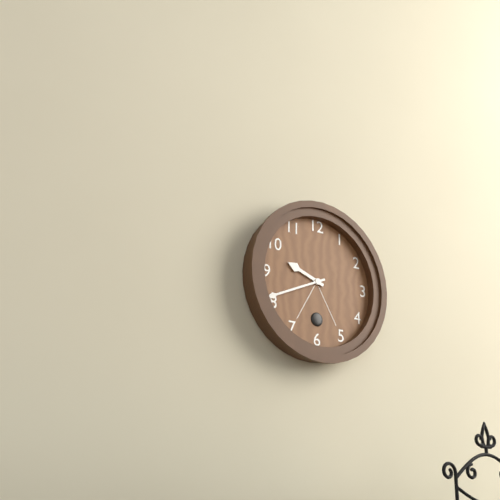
9.41
